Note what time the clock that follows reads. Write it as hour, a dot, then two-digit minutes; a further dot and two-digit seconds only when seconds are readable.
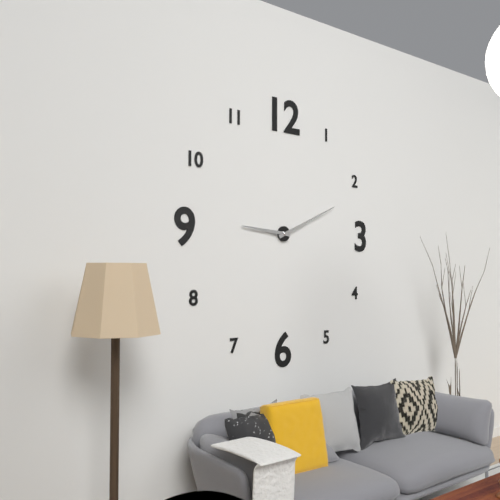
9.11
